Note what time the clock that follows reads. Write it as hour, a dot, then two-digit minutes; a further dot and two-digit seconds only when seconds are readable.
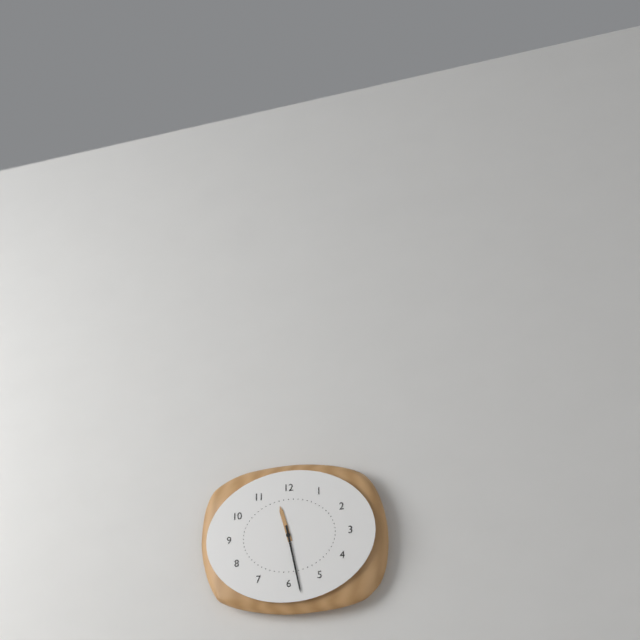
11.28
